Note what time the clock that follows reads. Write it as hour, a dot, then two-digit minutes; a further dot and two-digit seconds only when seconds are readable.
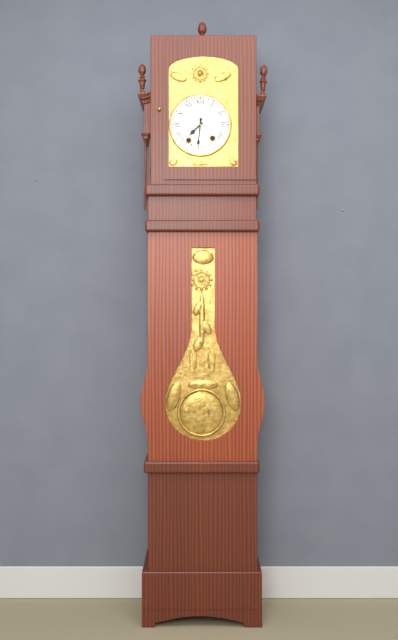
7.31
